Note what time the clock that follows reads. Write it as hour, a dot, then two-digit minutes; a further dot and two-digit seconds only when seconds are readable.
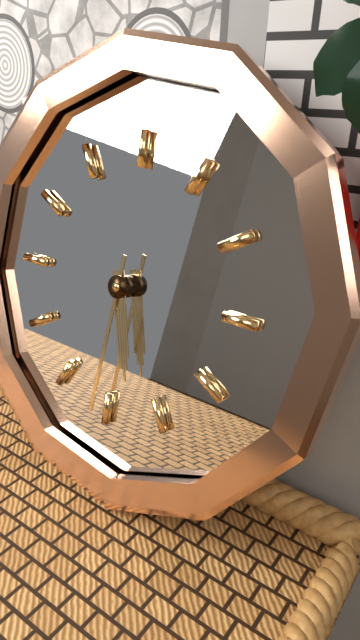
5.31
